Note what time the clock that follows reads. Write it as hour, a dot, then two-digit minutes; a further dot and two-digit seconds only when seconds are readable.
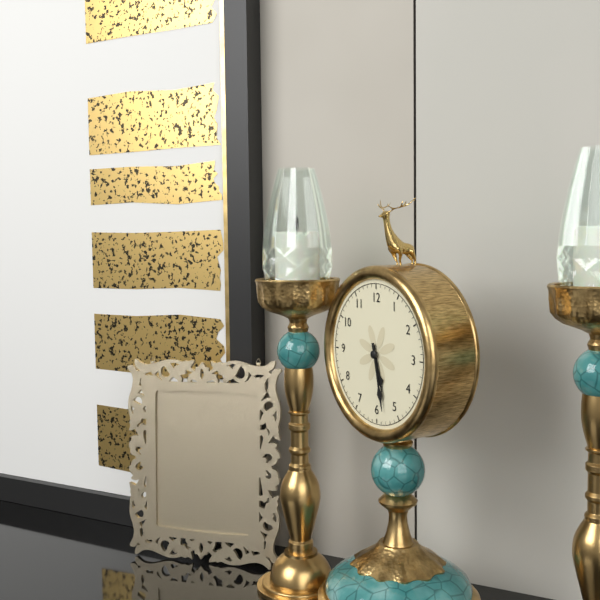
5.28
